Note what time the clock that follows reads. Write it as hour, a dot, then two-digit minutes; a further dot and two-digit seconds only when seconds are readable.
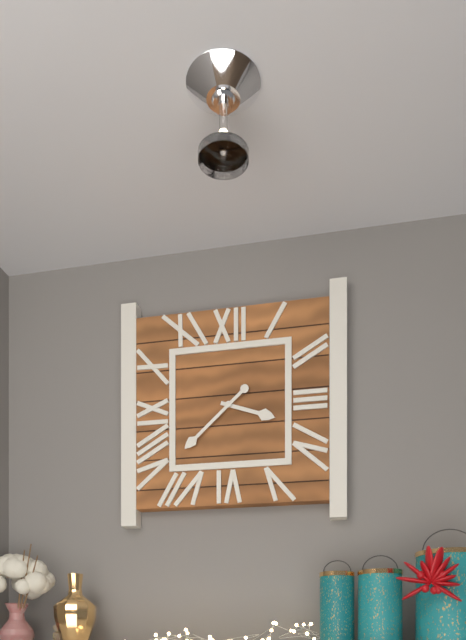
3.38
